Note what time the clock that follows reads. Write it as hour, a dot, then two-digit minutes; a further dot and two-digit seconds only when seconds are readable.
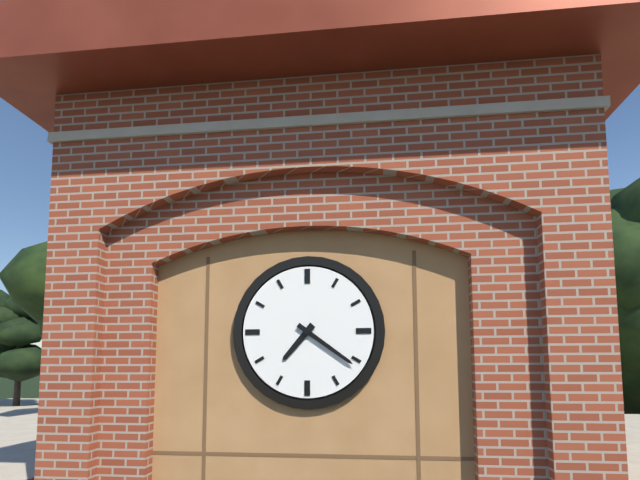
7.21
